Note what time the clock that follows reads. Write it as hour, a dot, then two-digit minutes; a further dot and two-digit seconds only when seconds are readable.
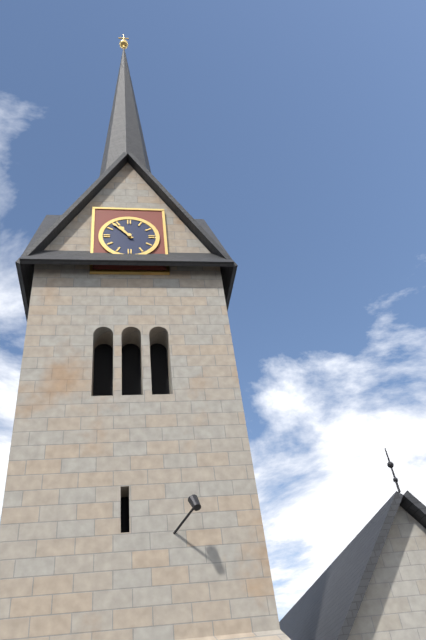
10.53
